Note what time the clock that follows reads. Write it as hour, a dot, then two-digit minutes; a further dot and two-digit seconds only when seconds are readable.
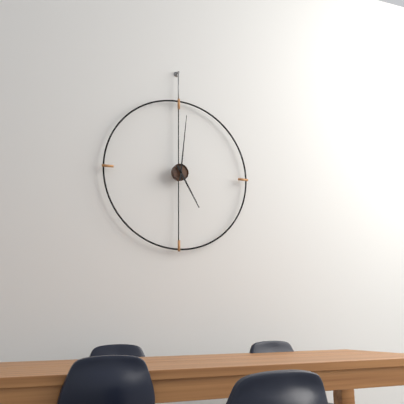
5.01
